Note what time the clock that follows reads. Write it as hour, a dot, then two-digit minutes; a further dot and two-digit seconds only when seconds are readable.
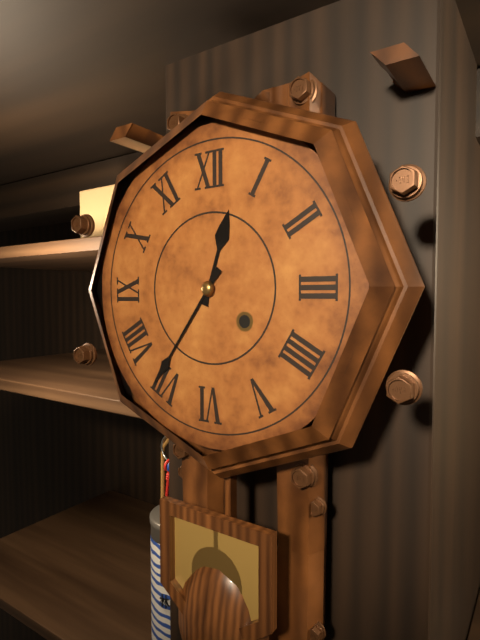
12.36
